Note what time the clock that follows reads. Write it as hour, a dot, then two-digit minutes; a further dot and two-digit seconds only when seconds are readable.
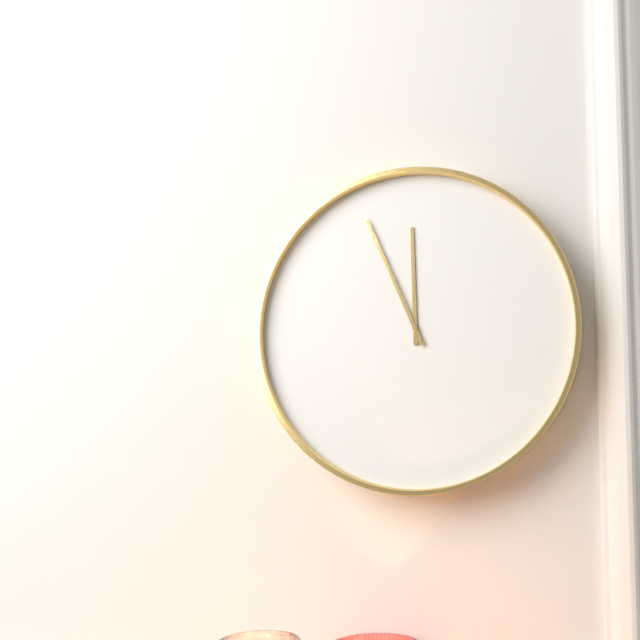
11.56
